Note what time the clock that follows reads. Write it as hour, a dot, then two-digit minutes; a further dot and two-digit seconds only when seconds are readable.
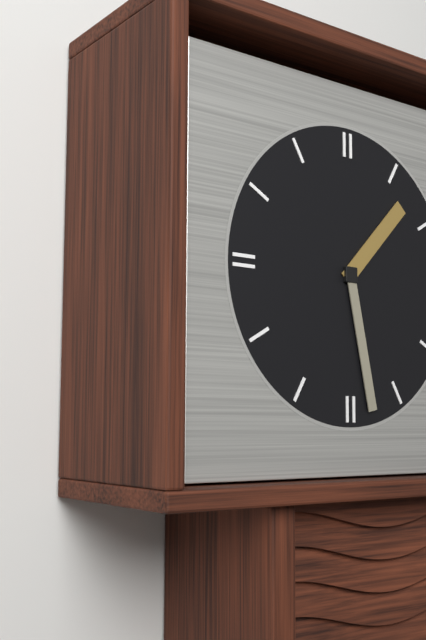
1.28
